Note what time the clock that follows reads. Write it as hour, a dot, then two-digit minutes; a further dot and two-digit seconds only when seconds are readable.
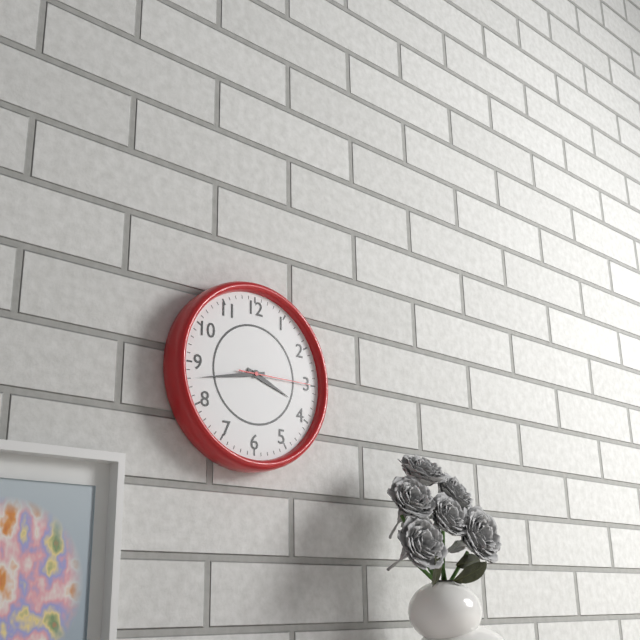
3.43.15
